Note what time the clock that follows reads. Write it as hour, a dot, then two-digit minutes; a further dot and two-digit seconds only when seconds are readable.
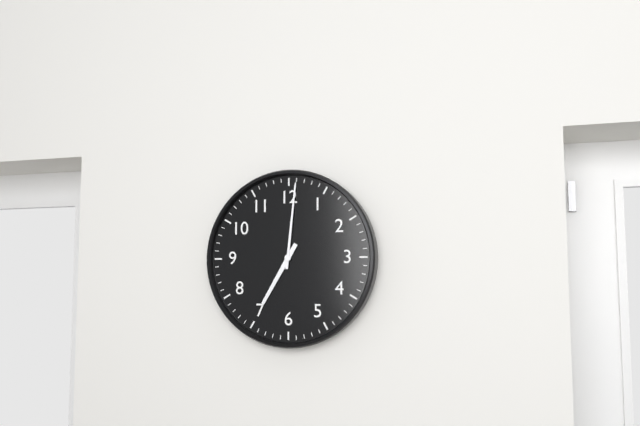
7.01
